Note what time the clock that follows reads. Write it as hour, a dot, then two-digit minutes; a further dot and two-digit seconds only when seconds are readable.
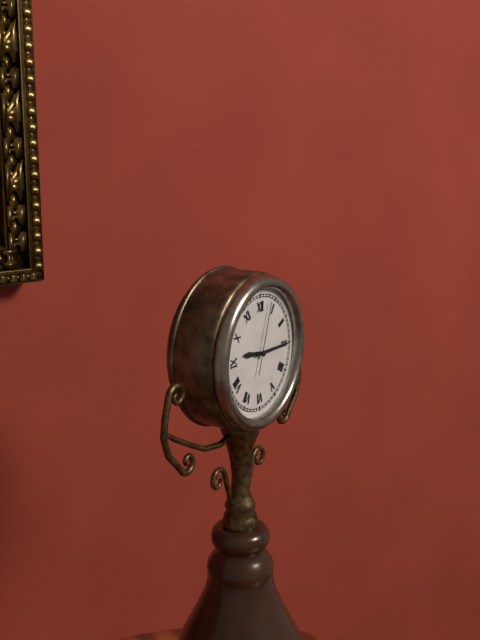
9.15.03
